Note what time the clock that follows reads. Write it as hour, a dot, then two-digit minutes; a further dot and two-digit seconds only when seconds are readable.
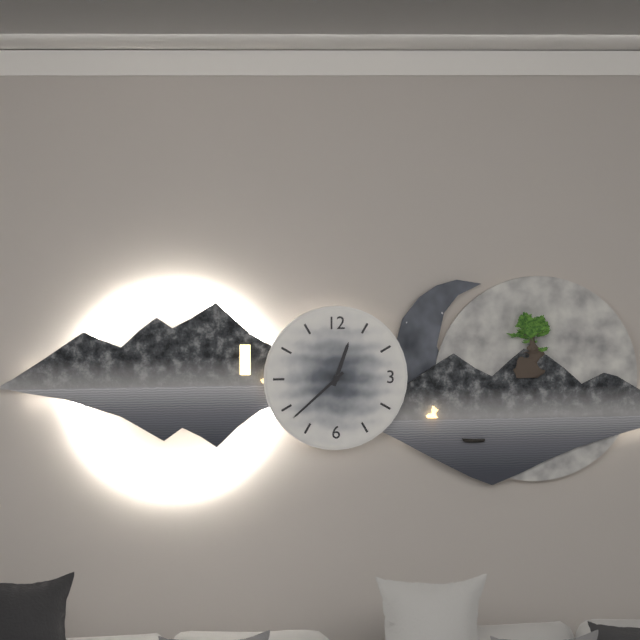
12.38
